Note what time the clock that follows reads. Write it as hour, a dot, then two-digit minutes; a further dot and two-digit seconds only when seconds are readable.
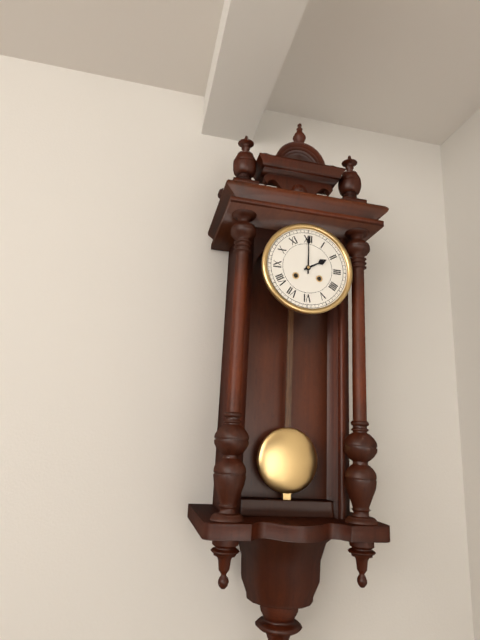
2.00
